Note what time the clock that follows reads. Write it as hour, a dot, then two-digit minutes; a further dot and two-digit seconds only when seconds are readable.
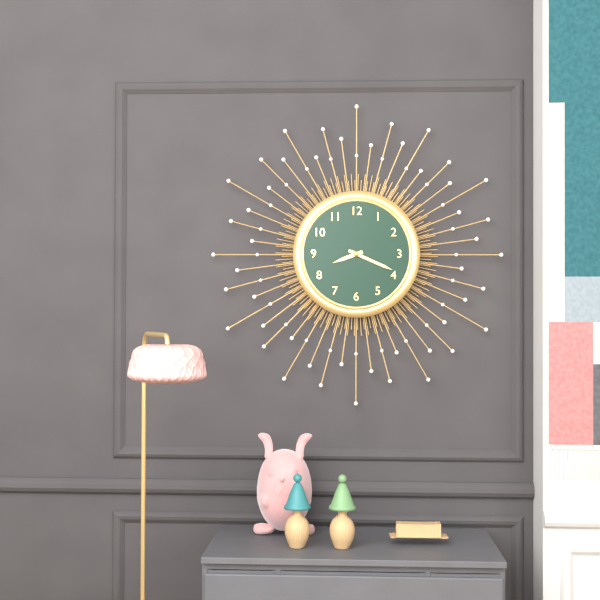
8.19
